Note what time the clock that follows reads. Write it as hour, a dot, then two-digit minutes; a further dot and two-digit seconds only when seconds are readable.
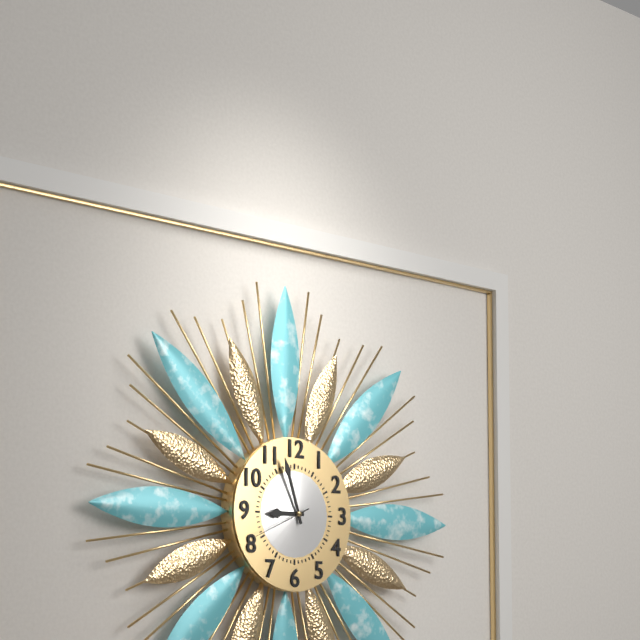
8.57
